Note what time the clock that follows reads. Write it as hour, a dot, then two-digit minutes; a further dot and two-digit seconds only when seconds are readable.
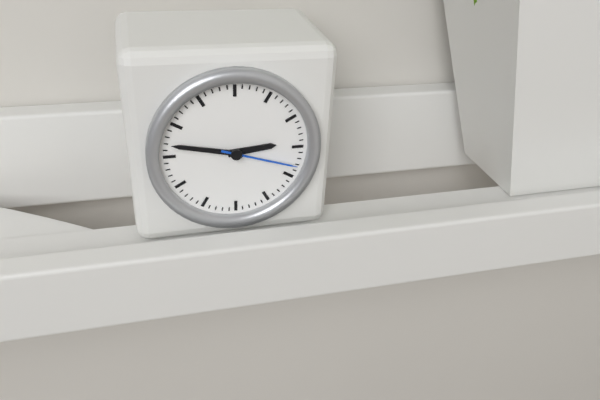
2.47.18
